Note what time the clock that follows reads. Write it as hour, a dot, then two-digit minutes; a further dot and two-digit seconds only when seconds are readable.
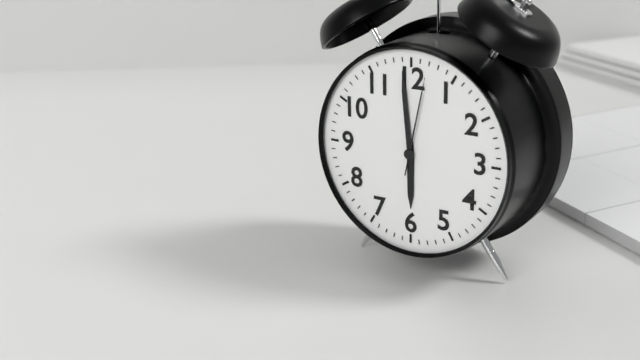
5.59.02
